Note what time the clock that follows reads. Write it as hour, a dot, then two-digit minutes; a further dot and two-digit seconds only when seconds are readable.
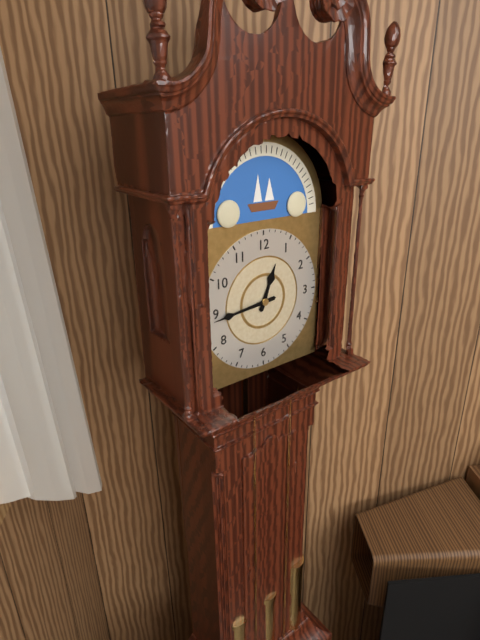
12.44
